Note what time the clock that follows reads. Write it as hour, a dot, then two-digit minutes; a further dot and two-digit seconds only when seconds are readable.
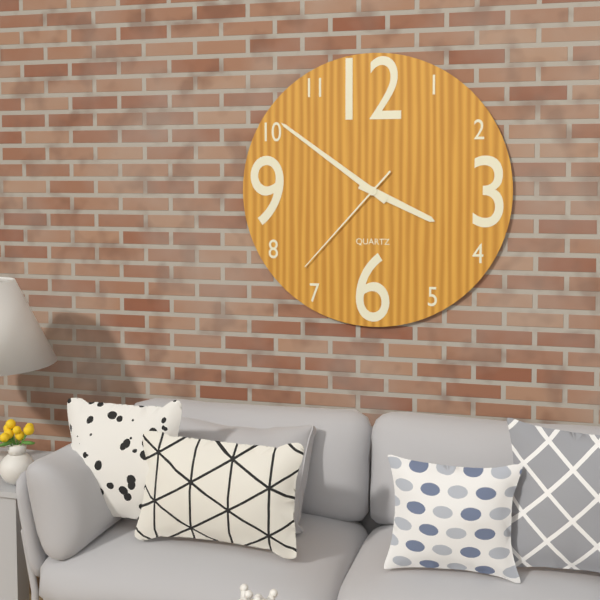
3.51.37
